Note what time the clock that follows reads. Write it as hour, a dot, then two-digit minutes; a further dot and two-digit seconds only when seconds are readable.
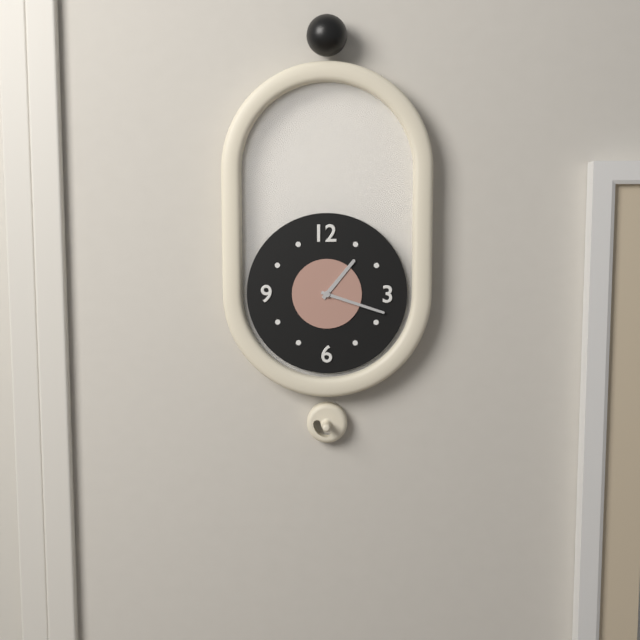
1.18
